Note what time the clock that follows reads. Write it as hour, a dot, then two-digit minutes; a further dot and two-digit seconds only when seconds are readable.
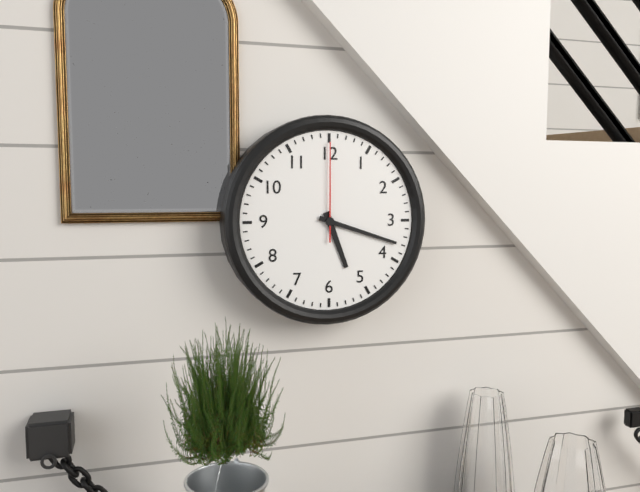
5.18.00
